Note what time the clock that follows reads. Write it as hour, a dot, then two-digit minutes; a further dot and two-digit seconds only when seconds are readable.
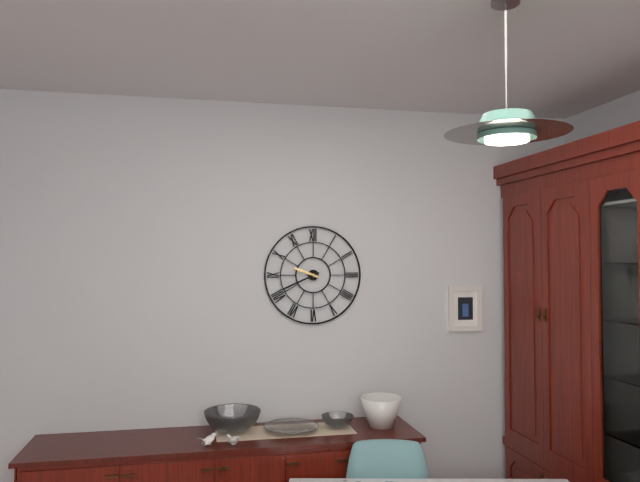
9.41
